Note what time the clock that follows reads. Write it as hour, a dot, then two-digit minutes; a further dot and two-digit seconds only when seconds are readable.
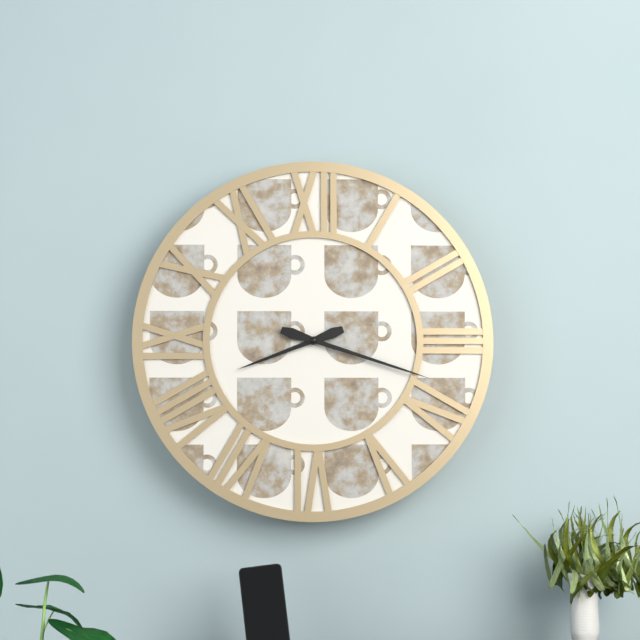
8.18
